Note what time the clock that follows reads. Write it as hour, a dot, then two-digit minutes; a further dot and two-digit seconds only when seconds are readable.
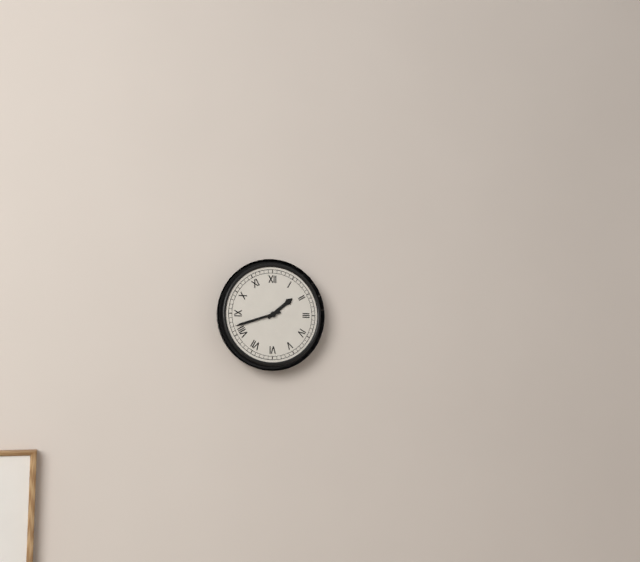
1.42
